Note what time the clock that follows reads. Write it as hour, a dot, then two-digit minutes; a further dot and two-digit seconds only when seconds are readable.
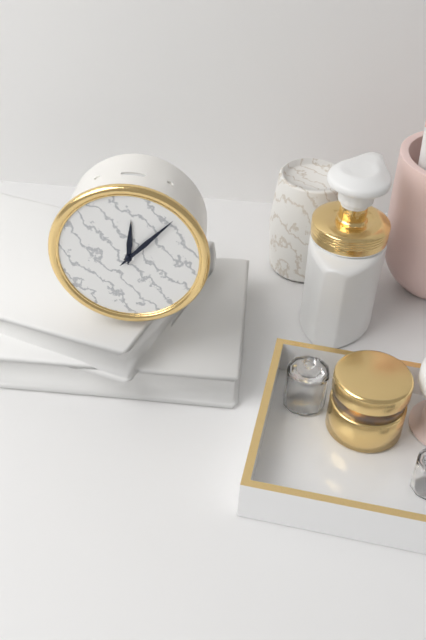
12.07
